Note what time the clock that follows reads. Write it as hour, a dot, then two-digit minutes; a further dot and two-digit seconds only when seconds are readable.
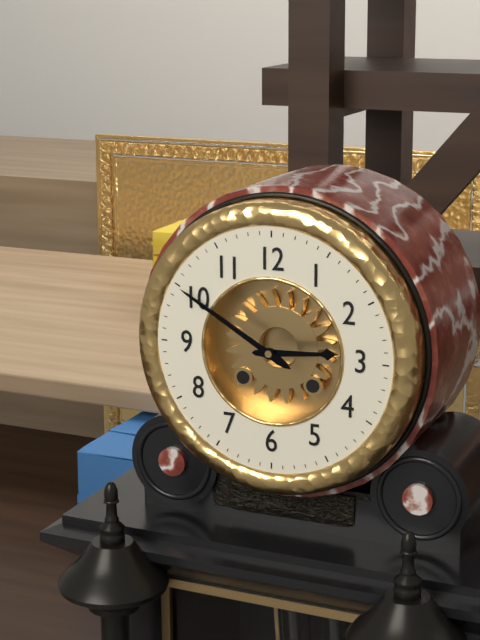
2.50
